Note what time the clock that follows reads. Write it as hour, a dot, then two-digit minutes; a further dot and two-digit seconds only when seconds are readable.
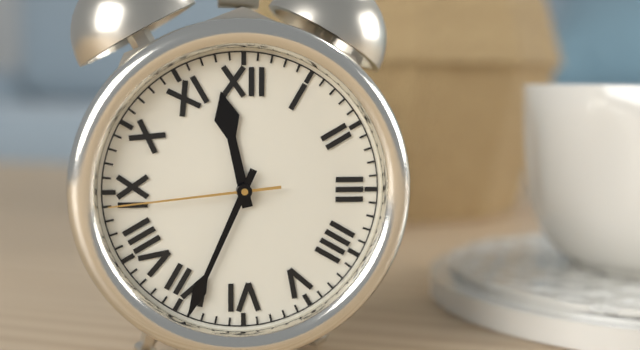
11.34.44
